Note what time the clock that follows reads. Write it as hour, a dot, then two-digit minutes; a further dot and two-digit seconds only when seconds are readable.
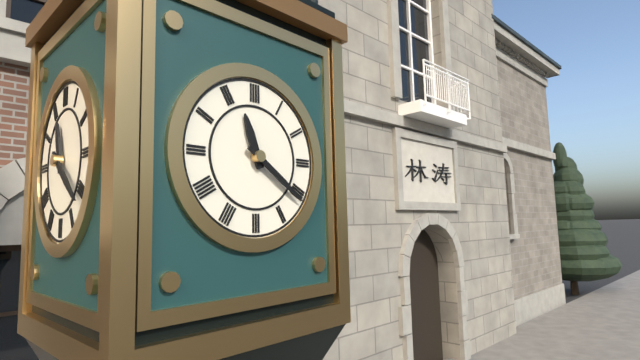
11.21
